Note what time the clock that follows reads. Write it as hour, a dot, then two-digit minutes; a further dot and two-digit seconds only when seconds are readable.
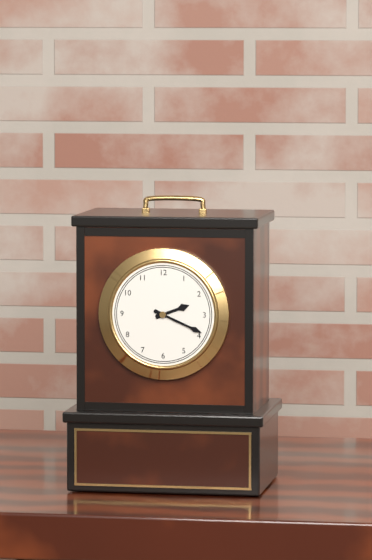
2.19
